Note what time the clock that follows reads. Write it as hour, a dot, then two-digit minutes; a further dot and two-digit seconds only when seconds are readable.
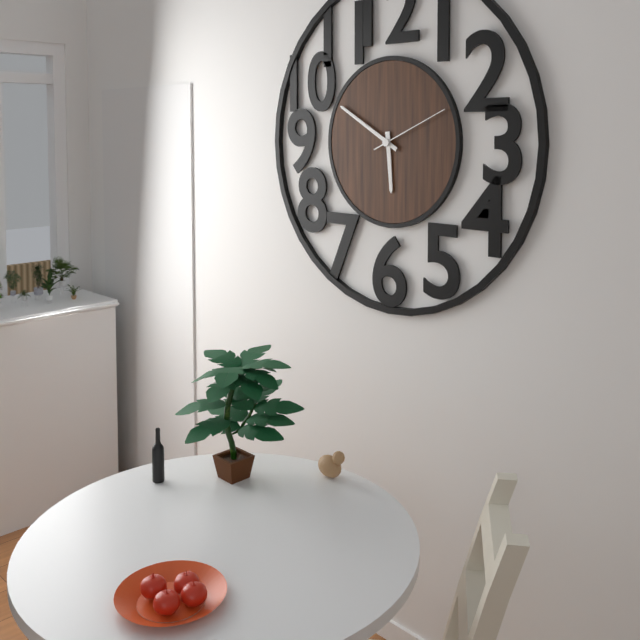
5.50.11
